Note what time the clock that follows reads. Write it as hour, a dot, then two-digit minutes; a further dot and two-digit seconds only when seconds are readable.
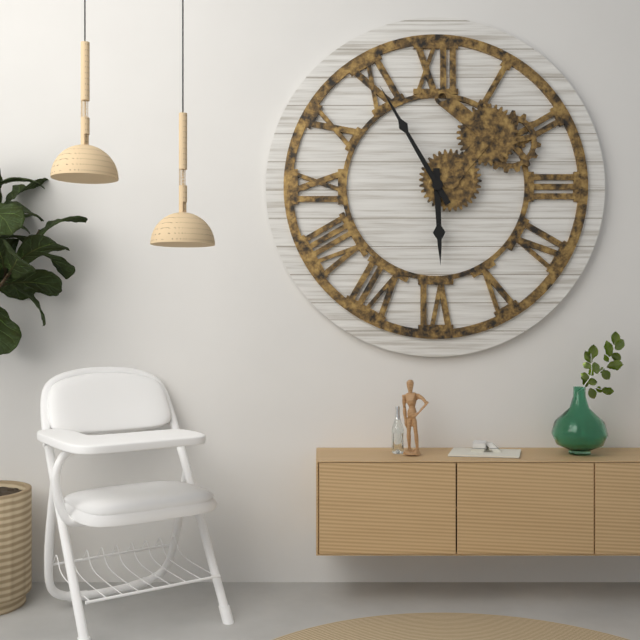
5.55
